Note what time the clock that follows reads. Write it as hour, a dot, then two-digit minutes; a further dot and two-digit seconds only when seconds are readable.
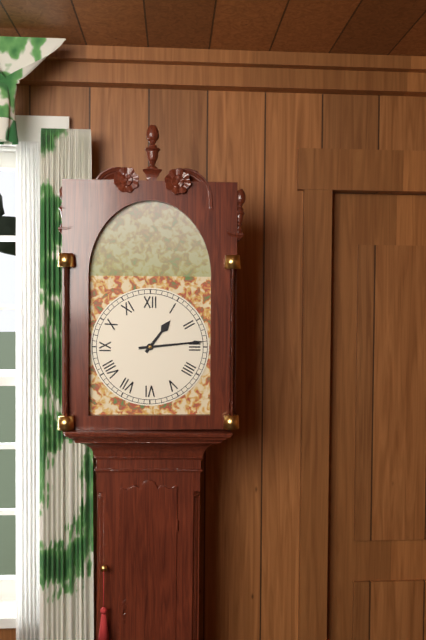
1.14
